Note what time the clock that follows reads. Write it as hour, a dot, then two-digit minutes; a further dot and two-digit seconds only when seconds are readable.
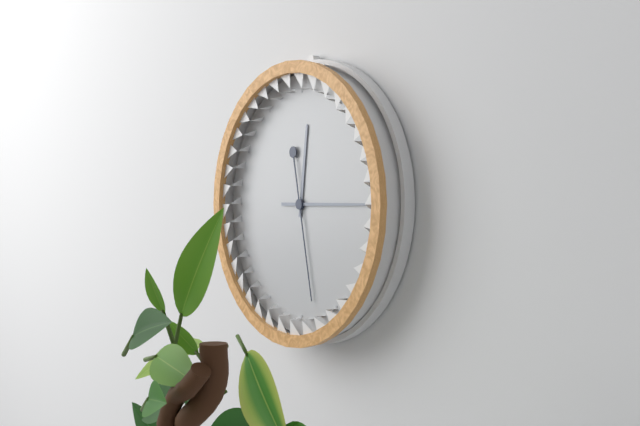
12.15.28
